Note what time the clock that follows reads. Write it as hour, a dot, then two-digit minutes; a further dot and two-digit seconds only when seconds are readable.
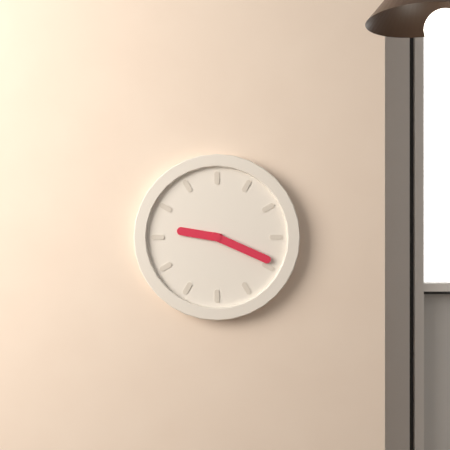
9.19
